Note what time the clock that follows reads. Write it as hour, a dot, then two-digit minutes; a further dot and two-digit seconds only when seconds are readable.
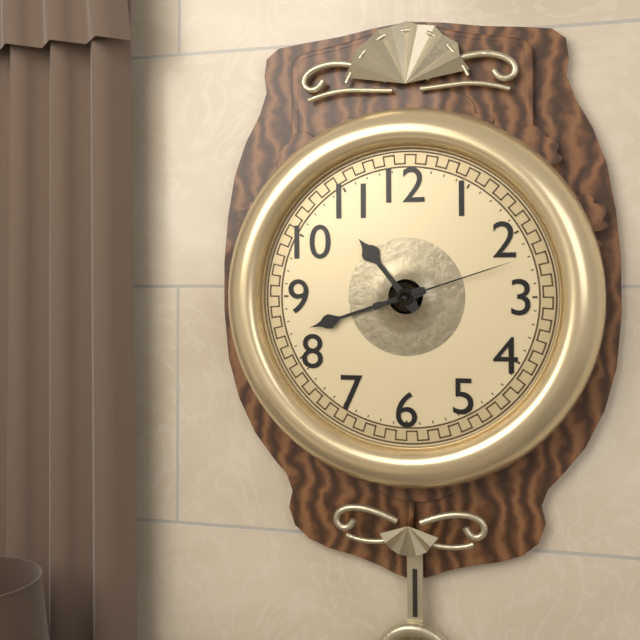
10.42.12
